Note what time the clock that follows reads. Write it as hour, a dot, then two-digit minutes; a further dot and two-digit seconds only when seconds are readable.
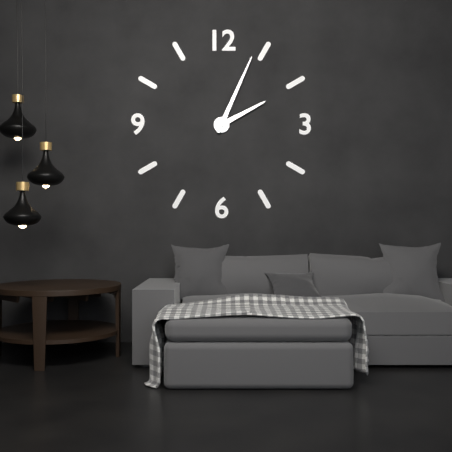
2.04
